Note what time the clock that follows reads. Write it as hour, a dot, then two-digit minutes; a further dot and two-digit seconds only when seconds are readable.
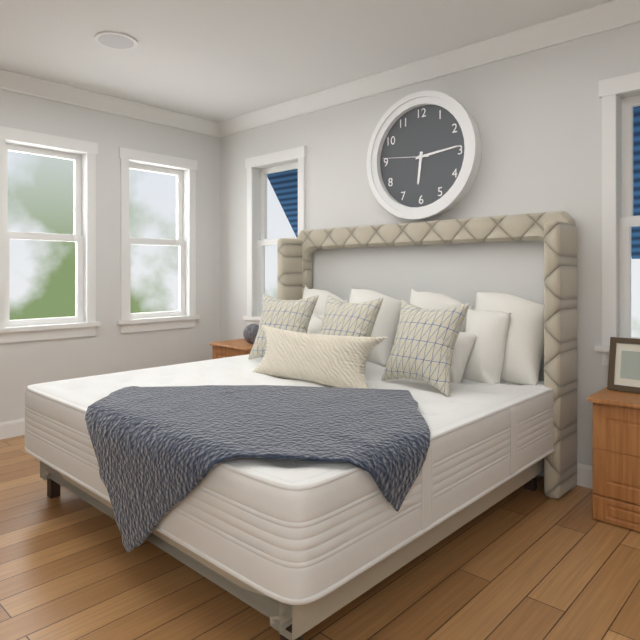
6.14
